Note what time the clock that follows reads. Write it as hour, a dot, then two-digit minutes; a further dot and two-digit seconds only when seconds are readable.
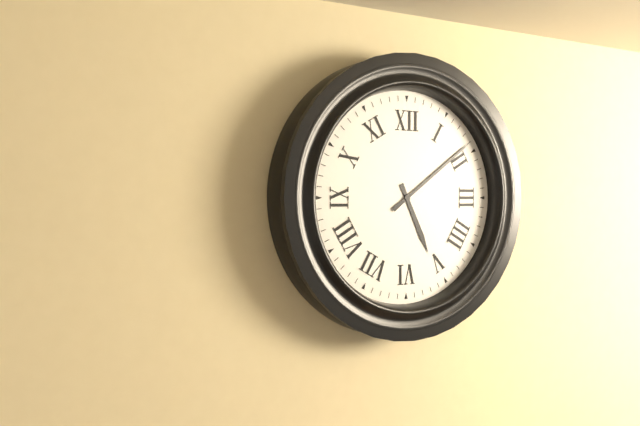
5.09
